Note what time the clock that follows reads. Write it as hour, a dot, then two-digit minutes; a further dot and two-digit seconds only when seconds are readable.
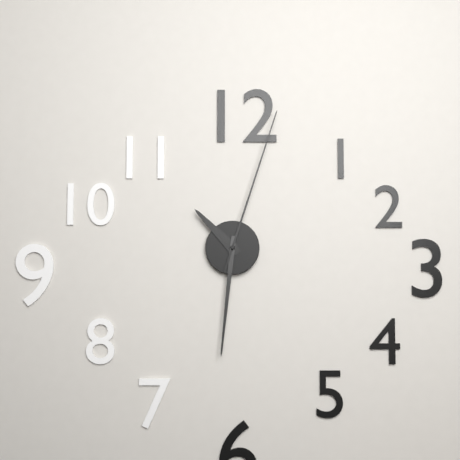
10.31.03
